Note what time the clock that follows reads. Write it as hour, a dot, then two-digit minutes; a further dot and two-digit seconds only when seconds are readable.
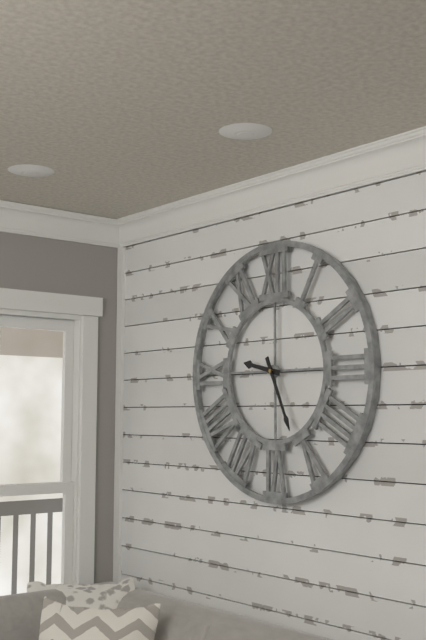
9.26
